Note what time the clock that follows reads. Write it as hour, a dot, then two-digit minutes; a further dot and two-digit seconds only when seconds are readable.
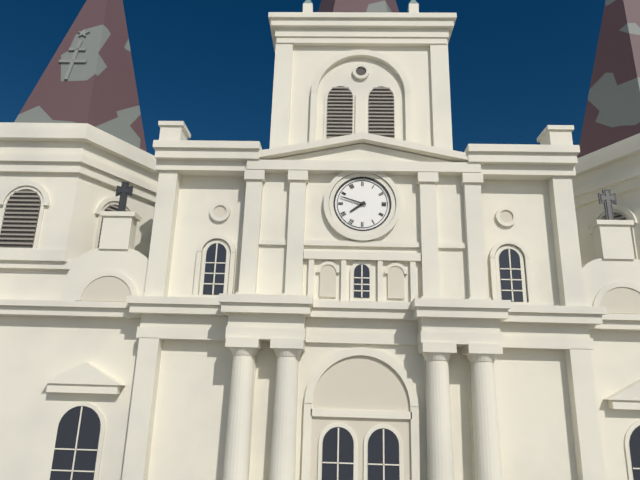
7.48
